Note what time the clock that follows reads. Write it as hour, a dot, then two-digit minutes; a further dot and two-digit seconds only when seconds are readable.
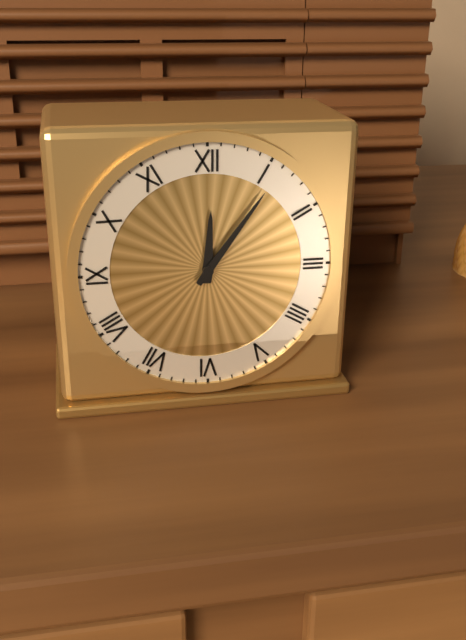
12.06
